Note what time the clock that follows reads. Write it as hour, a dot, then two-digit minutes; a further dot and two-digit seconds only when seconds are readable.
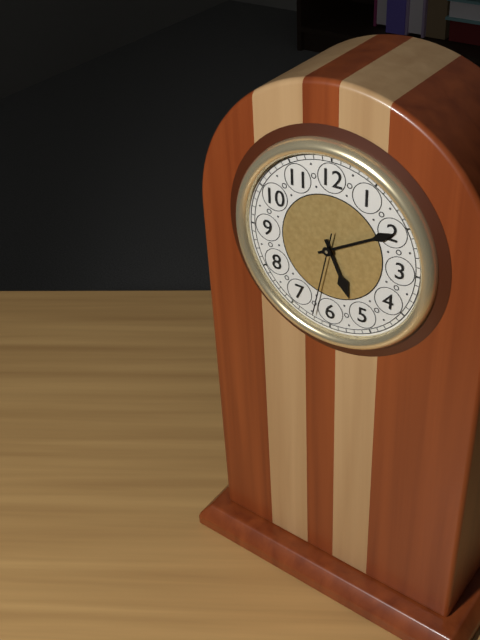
5.10.32
